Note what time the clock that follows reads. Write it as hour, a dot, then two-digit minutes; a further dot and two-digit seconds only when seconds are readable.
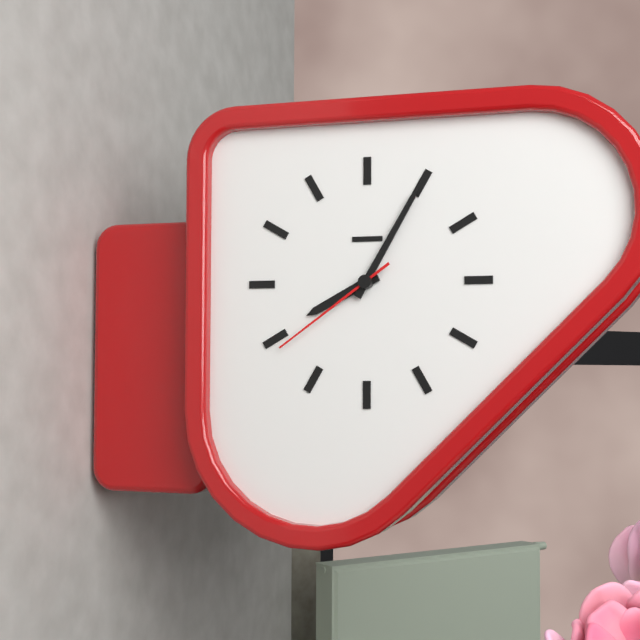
8.05.39
